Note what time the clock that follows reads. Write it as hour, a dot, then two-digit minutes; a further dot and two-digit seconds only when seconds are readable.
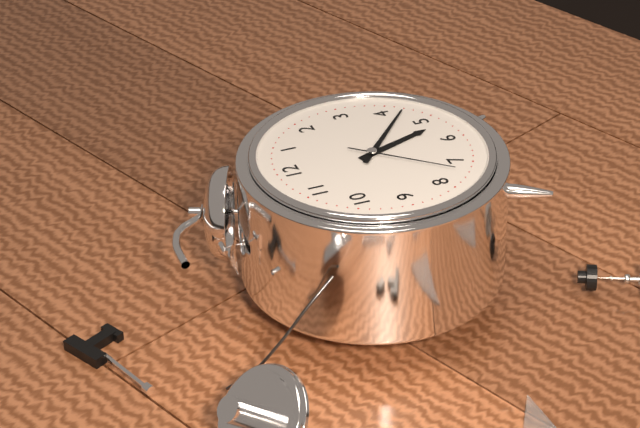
5.22.37
